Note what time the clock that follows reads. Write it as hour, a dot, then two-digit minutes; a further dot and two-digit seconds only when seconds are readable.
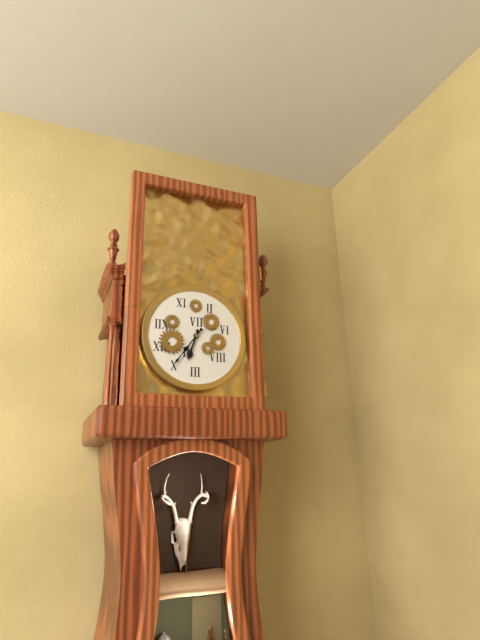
6.36
